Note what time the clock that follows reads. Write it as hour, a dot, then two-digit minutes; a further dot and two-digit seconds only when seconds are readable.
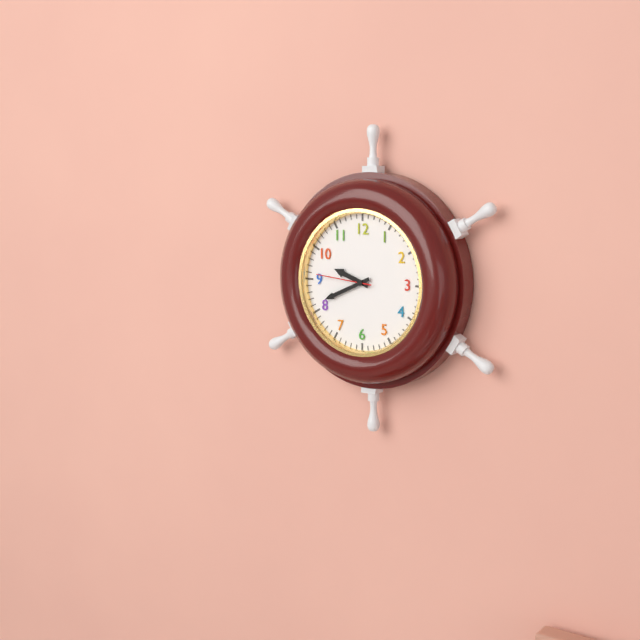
9.41.46
